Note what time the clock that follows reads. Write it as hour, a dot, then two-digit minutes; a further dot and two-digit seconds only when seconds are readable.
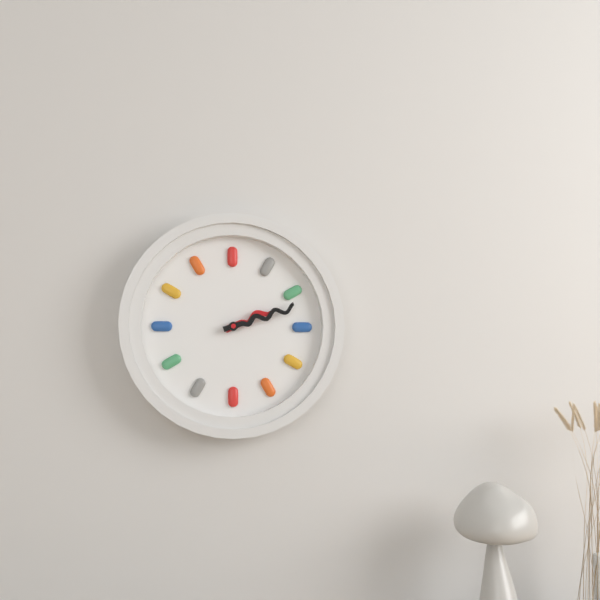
2.12
